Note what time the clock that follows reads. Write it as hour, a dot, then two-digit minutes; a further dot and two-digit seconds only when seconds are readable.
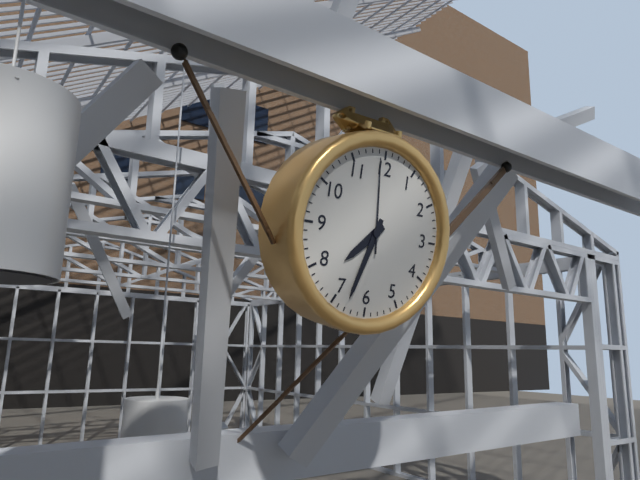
7.33.59
